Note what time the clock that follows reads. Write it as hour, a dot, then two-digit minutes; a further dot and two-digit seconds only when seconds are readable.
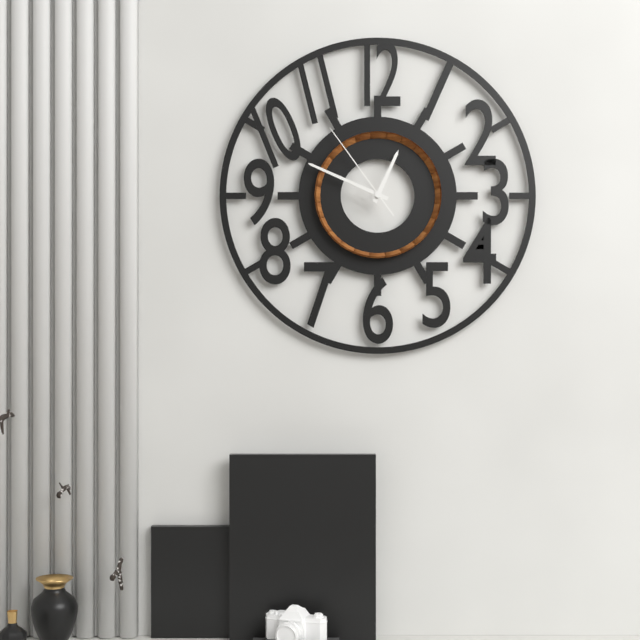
12.49.54
